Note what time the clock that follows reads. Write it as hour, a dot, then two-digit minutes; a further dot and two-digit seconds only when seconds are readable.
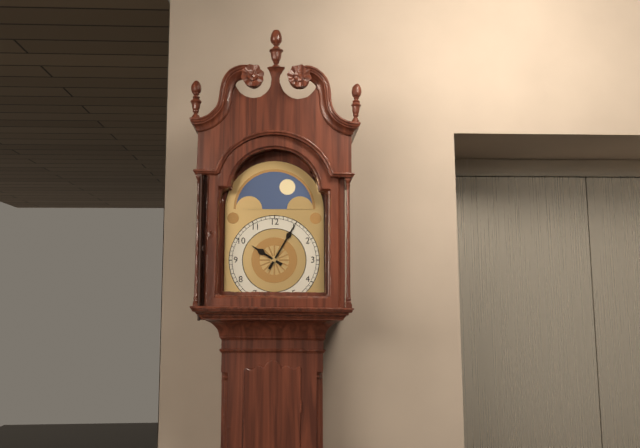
10.05
